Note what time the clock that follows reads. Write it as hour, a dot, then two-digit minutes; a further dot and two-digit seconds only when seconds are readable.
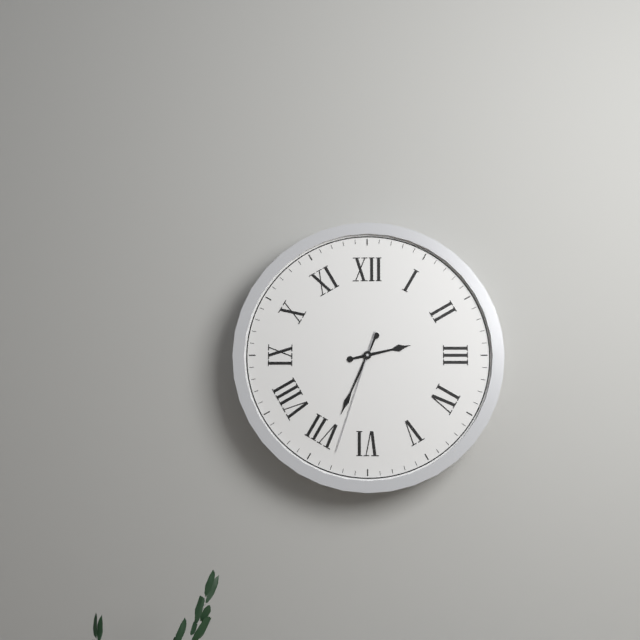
2.34.33
